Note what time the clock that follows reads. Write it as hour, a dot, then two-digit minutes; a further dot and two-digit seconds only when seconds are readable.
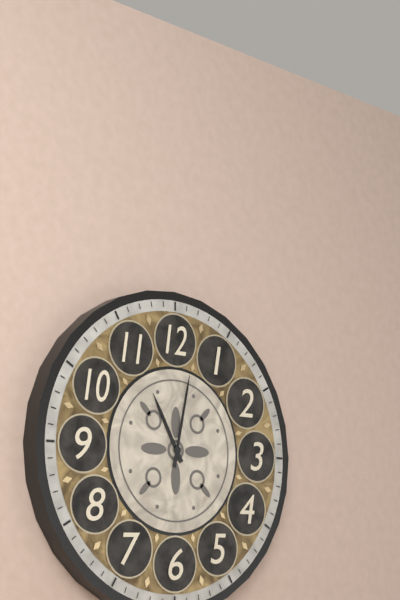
11.02
